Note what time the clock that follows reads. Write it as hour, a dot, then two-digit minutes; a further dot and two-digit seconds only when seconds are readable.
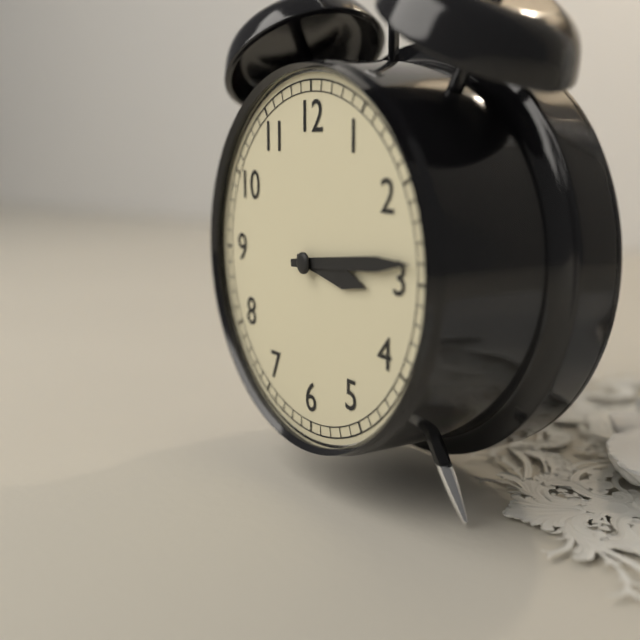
3.14
